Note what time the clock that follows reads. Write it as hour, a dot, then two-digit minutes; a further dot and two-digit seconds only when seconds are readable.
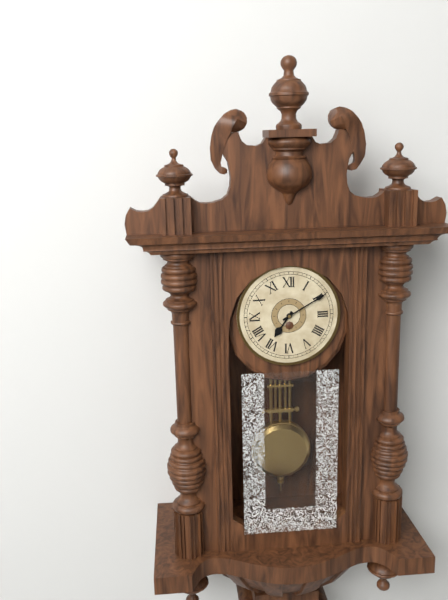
7.10
